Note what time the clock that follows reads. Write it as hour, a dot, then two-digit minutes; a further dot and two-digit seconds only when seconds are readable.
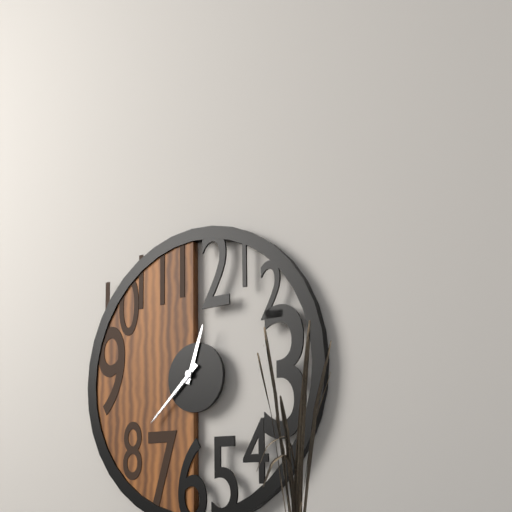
12.38
